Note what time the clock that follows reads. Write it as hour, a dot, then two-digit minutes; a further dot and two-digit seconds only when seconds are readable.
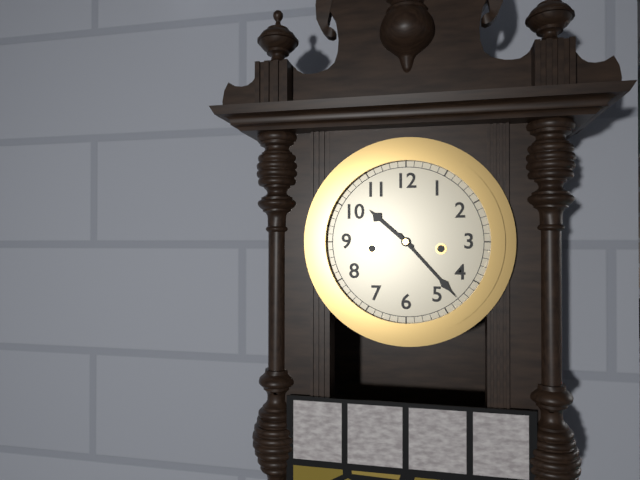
10.23
